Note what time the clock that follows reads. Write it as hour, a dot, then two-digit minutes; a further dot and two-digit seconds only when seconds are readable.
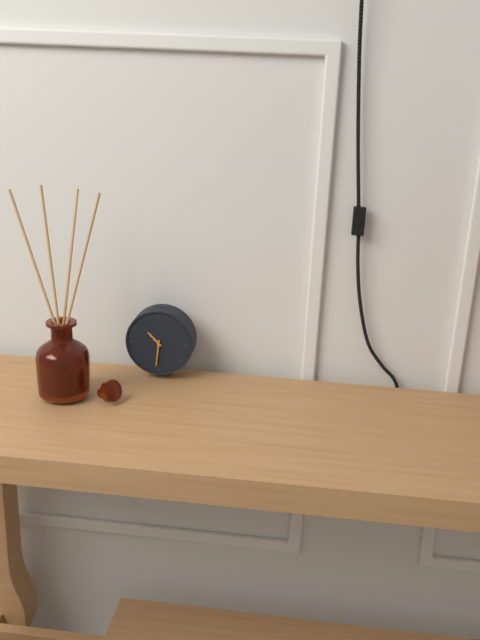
10.31
